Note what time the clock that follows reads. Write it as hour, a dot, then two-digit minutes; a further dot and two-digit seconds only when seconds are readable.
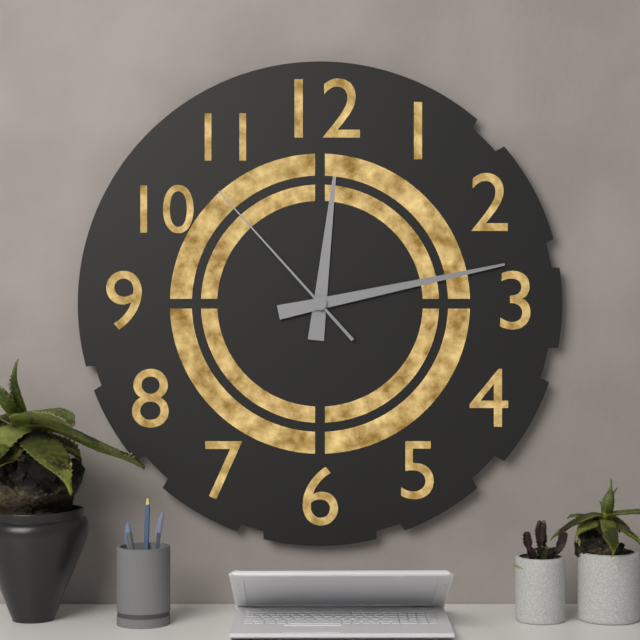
12.13.53
